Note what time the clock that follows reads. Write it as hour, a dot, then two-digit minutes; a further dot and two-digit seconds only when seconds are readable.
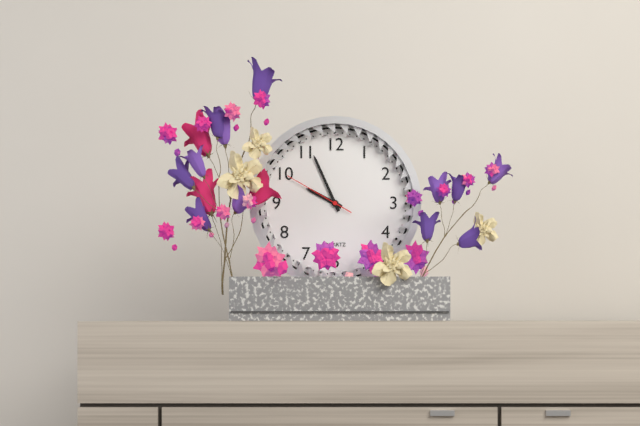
9.56.50
